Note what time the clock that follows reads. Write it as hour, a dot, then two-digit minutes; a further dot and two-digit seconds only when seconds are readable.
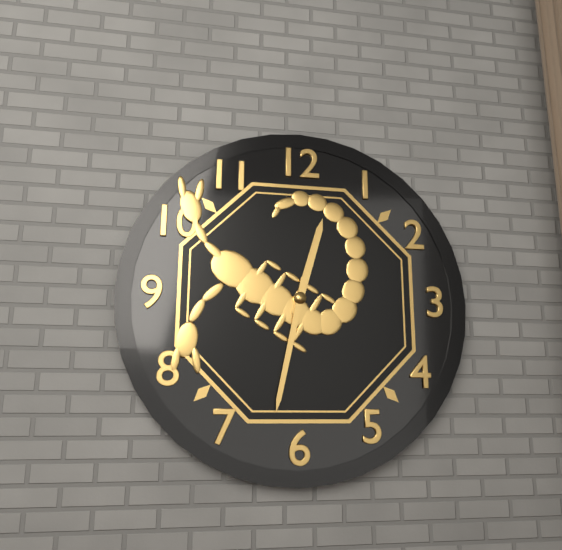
12.32
